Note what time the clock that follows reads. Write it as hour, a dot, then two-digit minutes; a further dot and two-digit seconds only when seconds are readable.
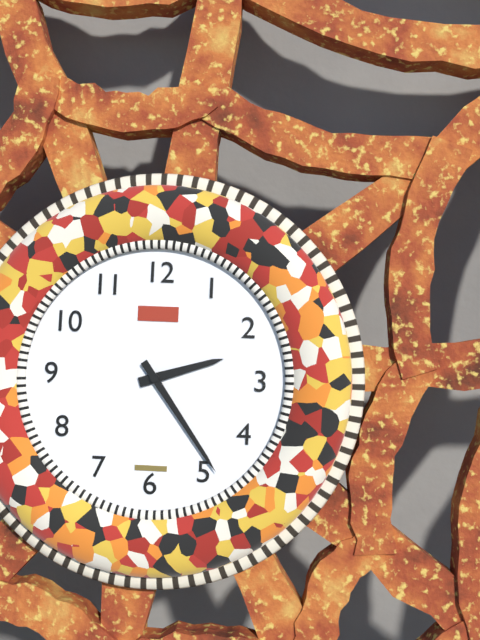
2.24
